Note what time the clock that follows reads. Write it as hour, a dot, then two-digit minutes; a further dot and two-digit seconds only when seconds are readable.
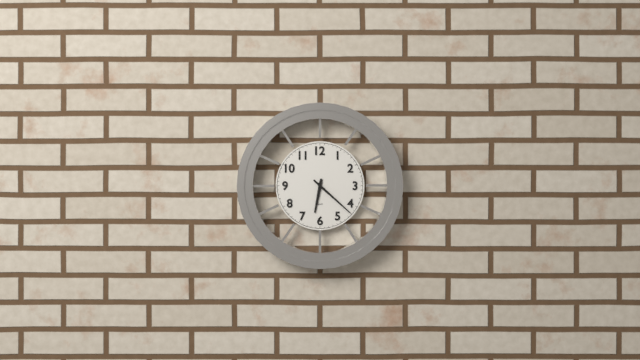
6.22
